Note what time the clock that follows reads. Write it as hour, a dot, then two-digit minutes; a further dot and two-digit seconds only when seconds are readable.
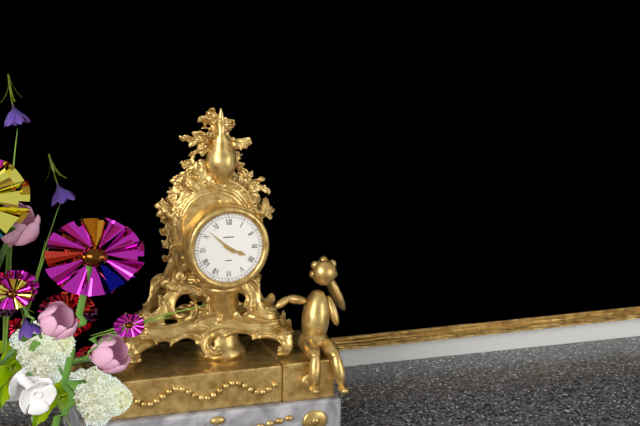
3.52
